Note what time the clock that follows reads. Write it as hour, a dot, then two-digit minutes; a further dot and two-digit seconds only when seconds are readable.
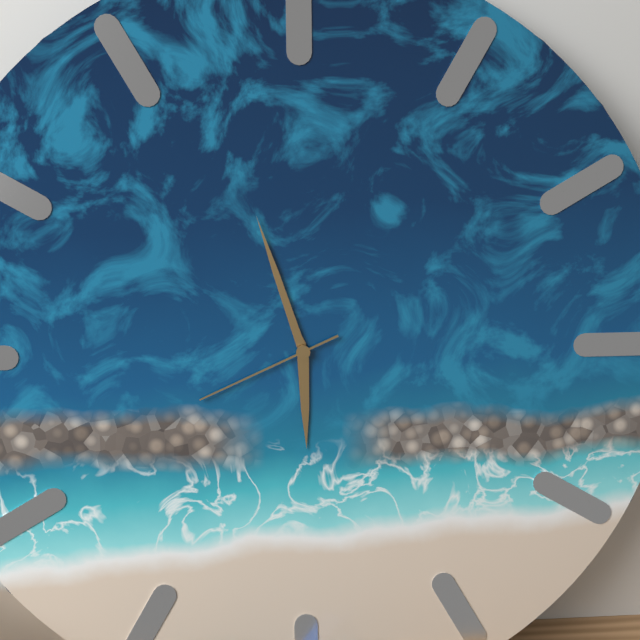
5.57.41
